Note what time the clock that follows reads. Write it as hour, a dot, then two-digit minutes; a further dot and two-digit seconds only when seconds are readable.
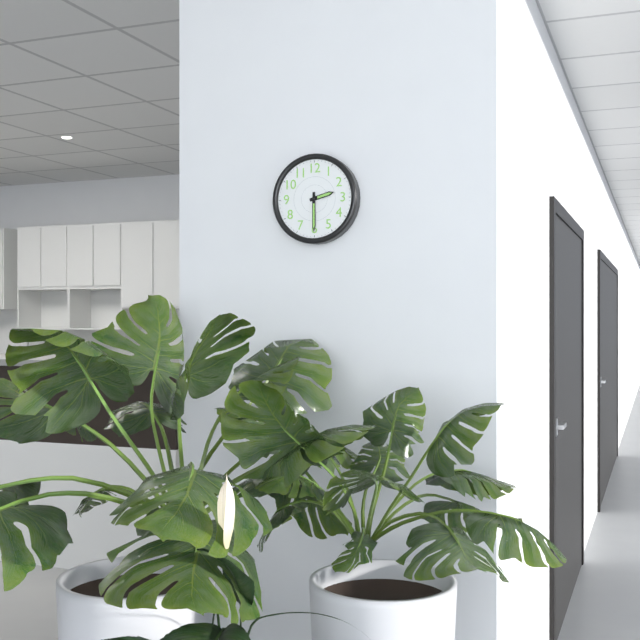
2.30
